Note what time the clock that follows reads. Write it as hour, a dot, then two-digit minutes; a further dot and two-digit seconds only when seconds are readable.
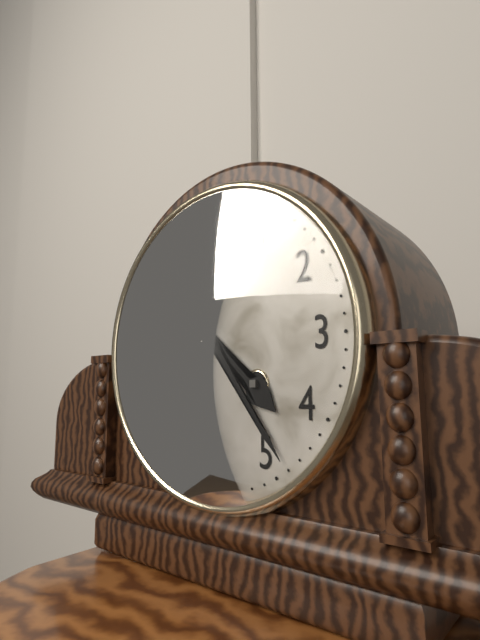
4.24
